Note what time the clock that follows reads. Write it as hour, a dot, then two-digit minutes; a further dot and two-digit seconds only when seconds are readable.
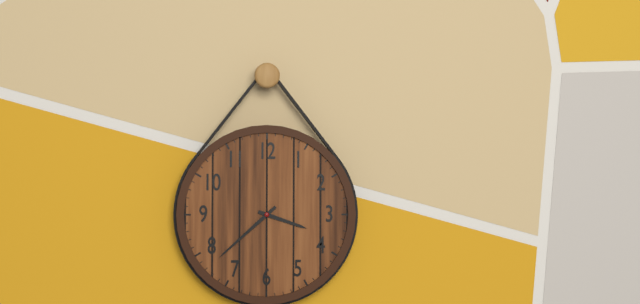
3.38
